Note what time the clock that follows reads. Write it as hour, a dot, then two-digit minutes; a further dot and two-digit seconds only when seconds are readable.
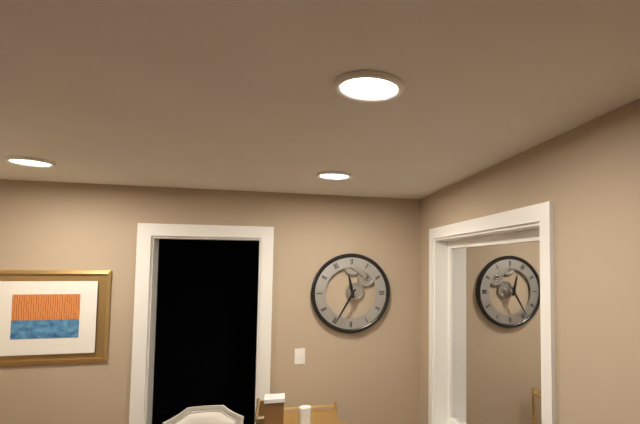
11.35
